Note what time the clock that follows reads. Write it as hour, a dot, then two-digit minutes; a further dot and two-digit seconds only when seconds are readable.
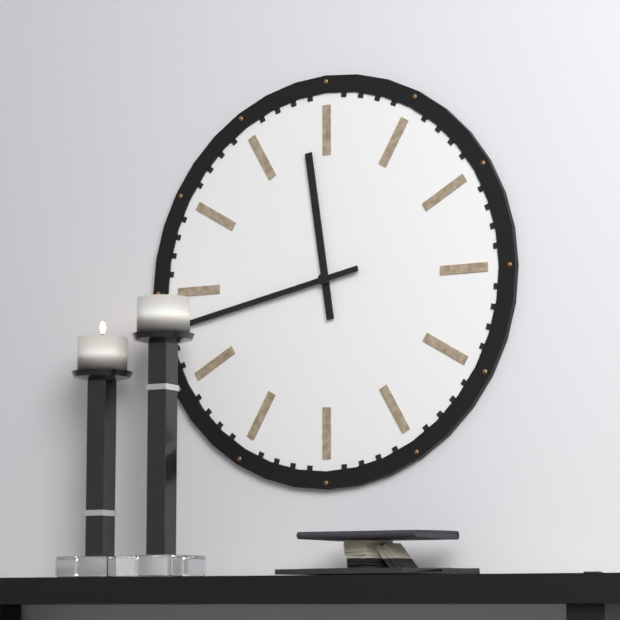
11.43
